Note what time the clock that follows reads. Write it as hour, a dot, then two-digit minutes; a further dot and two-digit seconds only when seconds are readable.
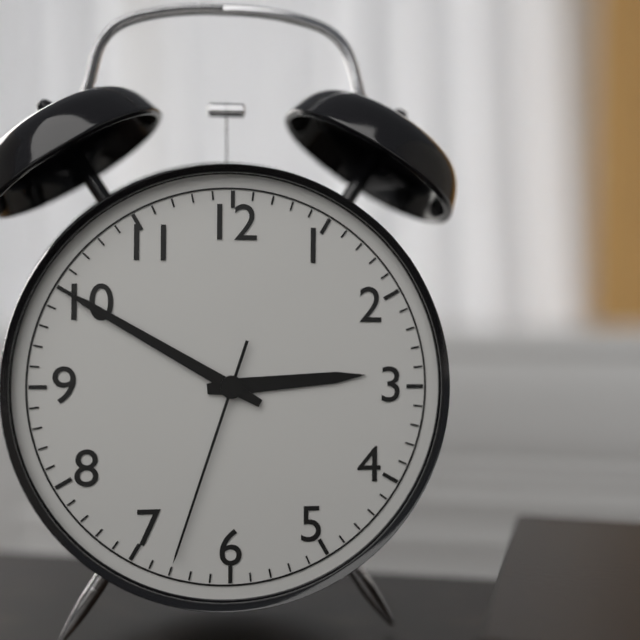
2.50.33
